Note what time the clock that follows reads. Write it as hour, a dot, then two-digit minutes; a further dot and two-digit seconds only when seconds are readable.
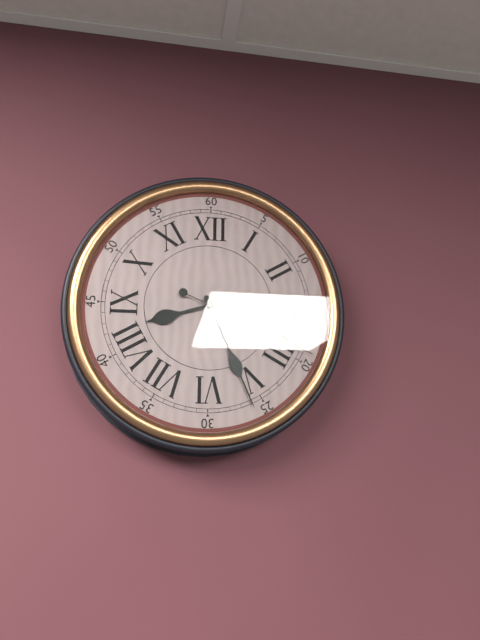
8.26.19
